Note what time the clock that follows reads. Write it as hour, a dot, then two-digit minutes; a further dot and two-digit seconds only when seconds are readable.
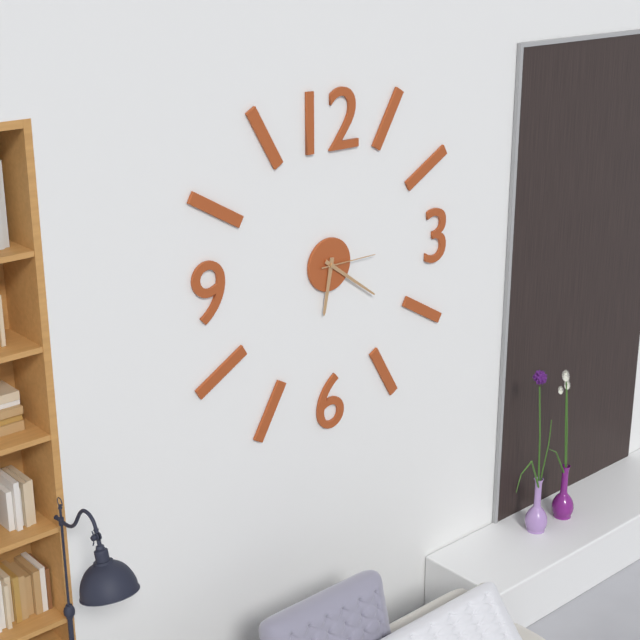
6.21.15
